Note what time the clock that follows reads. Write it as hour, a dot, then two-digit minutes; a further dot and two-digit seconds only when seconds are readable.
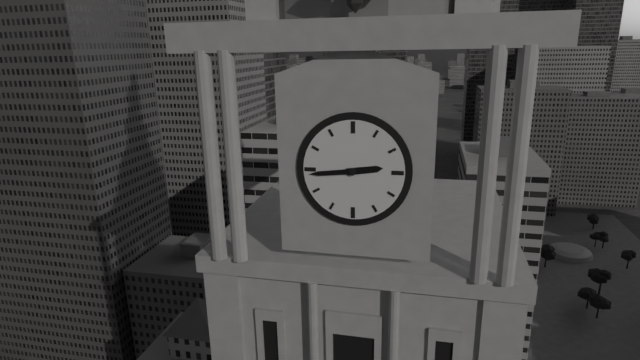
2.44
